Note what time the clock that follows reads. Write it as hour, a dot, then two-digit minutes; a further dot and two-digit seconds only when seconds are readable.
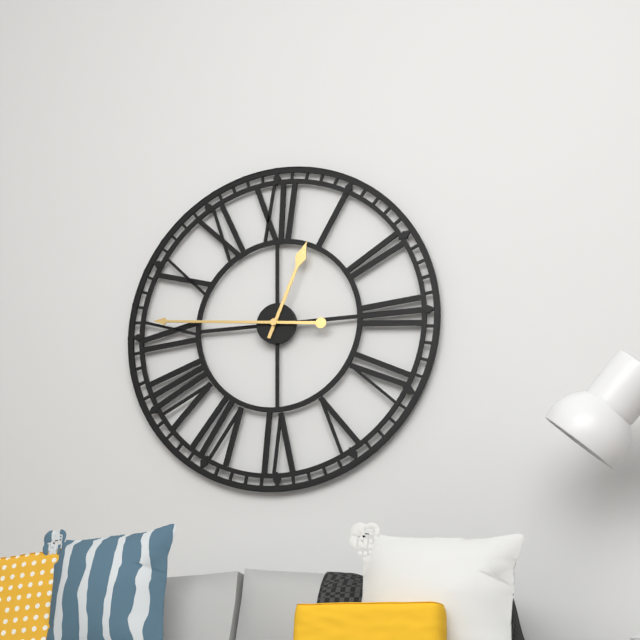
12.46
